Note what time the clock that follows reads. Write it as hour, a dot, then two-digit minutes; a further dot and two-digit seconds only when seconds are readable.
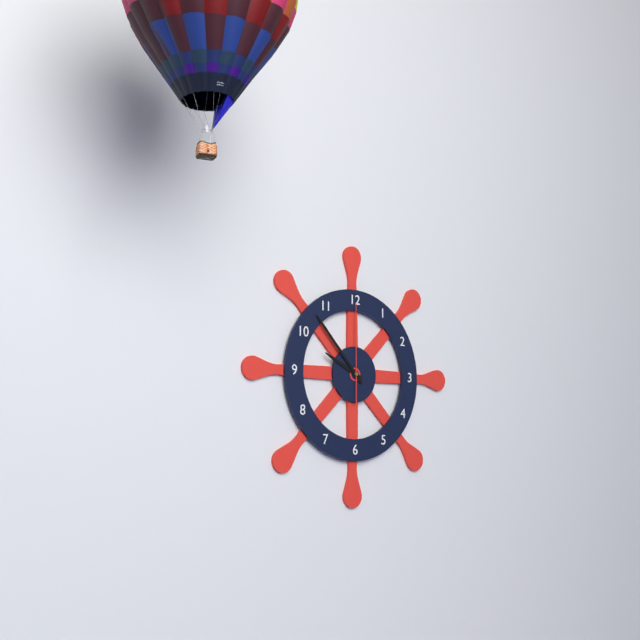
9.53.00
